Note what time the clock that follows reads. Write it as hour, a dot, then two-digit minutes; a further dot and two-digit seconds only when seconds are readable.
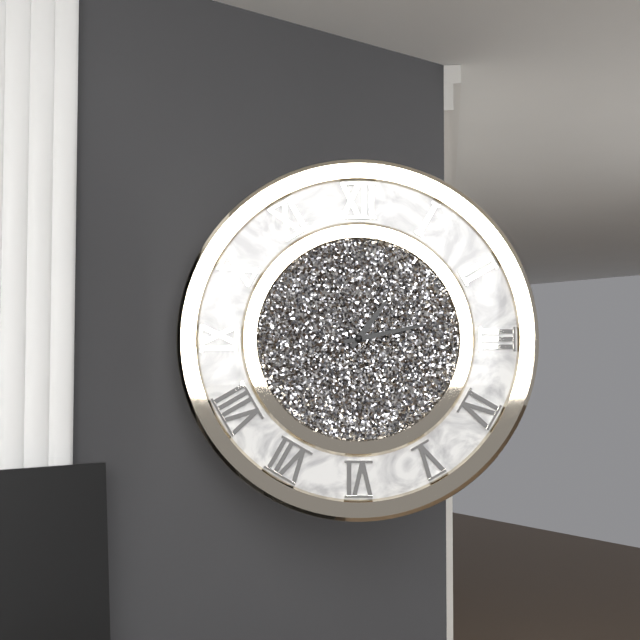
1.13
